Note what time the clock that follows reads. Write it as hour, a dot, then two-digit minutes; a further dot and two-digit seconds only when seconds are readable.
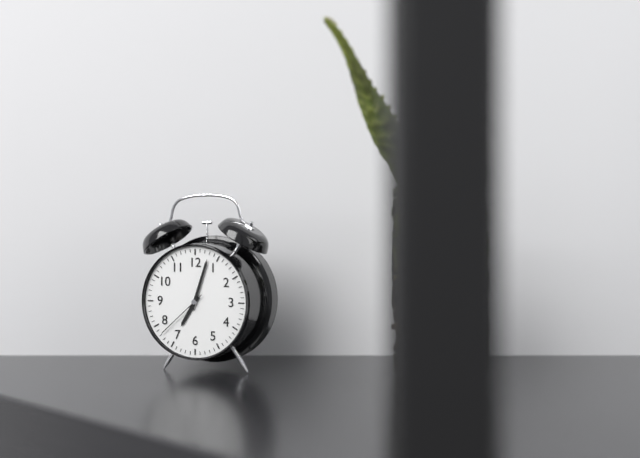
7.03.38
